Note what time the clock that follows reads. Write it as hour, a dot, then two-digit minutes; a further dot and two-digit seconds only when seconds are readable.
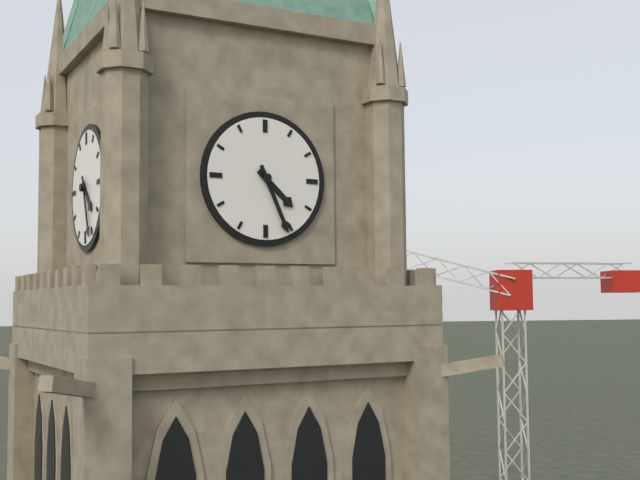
4.26
